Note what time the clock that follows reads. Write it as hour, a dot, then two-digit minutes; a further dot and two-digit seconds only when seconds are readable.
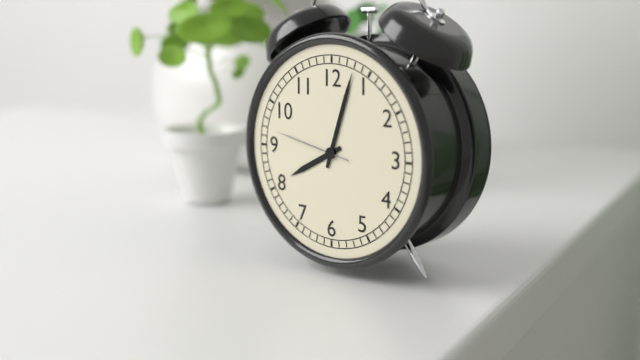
8.03.47
